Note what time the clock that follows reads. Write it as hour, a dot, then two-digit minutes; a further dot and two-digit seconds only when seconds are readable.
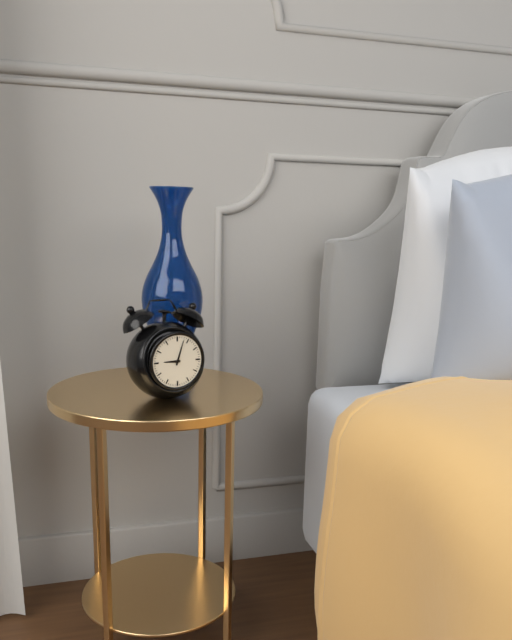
9.03
